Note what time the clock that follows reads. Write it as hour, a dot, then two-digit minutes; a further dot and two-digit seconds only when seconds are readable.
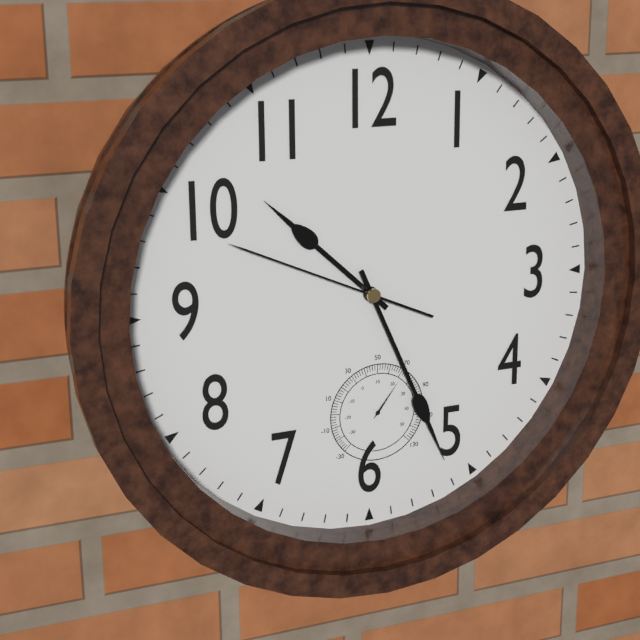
10.26.49
